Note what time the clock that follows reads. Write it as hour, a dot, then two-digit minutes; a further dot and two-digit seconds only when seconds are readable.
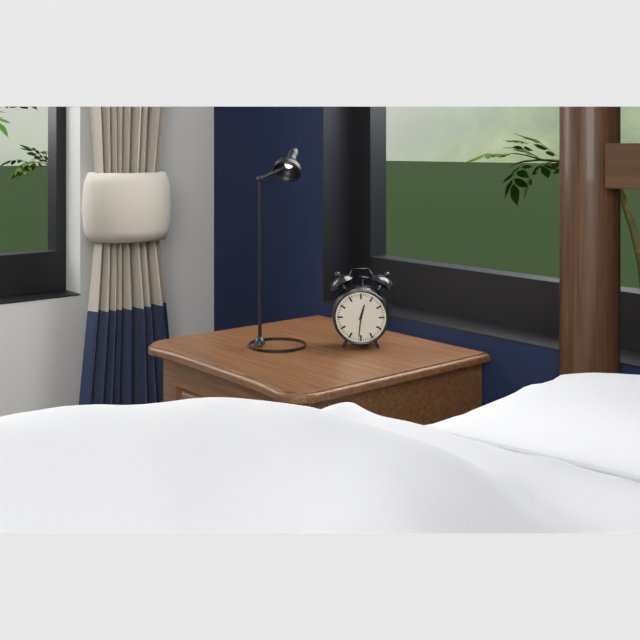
12.31
